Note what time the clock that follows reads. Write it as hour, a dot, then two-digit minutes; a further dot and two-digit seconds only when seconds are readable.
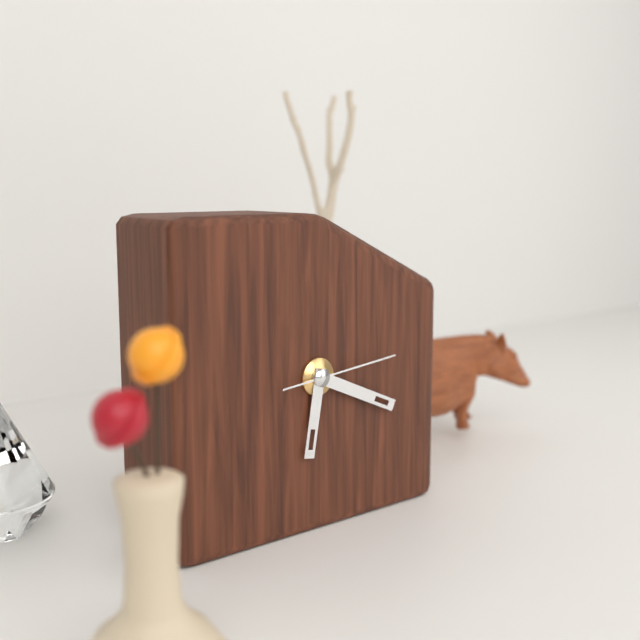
6.19.14
